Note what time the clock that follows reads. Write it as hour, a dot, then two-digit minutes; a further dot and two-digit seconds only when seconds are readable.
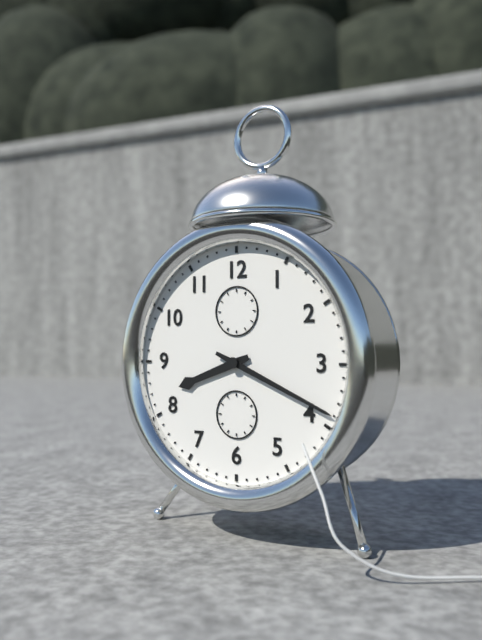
8.19
